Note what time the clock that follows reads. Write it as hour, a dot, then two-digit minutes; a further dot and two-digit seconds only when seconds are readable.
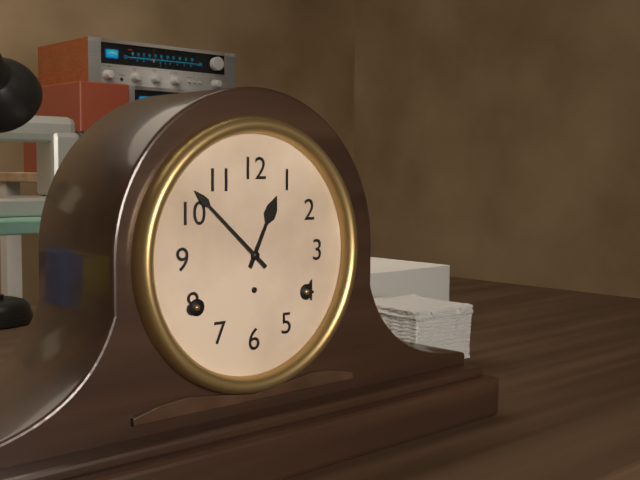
12.52
